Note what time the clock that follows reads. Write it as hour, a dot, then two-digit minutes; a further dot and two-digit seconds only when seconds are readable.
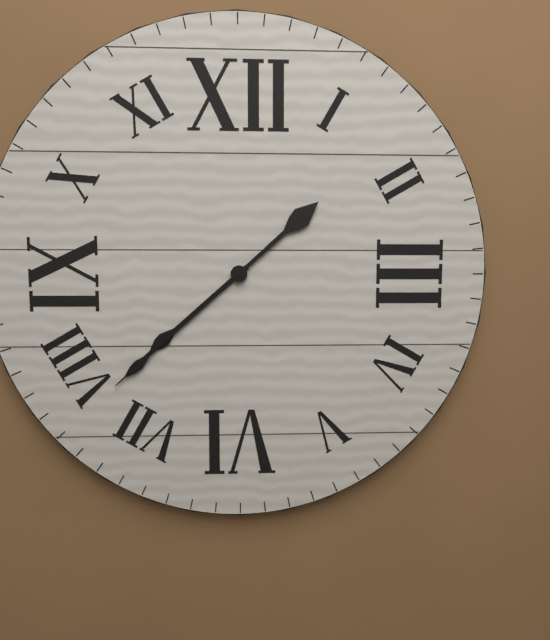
7.38
